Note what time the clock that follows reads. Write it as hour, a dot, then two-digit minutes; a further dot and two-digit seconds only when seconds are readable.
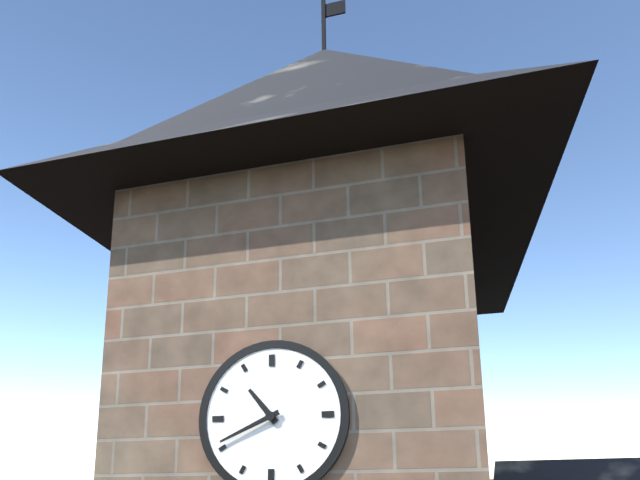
10.41
